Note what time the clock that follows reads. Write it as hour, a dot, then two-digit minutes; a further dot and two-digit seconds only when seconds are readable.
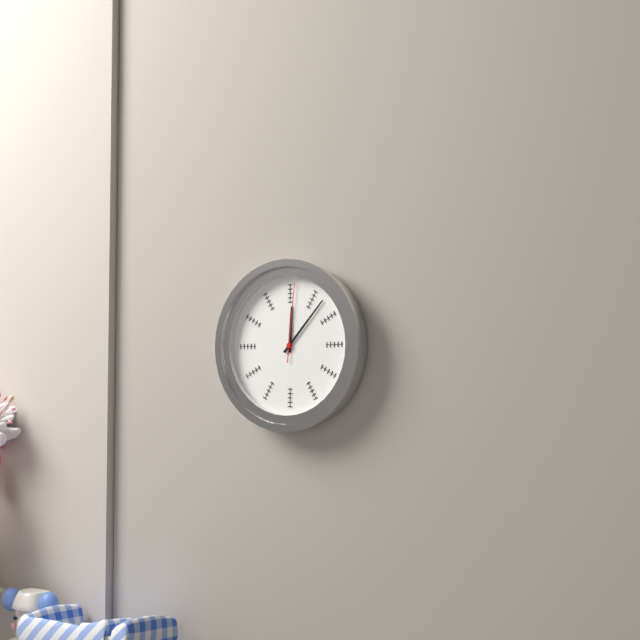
12.07.01
